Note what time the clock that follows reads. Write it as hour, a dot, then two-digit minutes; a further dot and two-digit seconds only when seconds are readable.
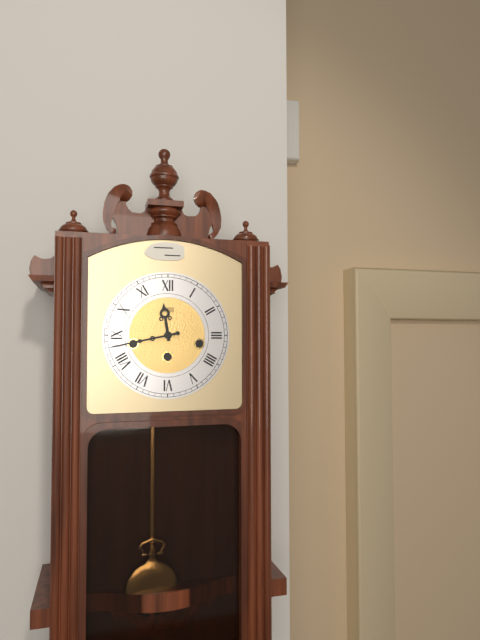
11.43
